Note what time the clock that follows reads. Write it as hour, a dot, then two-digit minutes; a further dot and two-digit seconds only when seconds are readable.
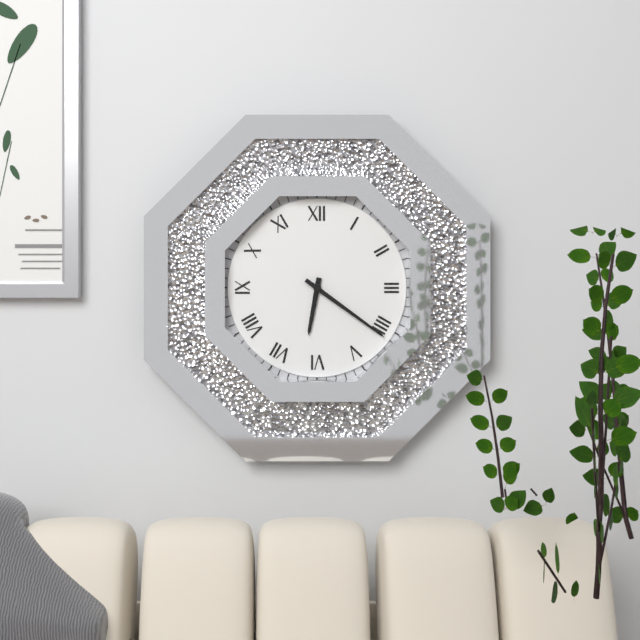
6.21
